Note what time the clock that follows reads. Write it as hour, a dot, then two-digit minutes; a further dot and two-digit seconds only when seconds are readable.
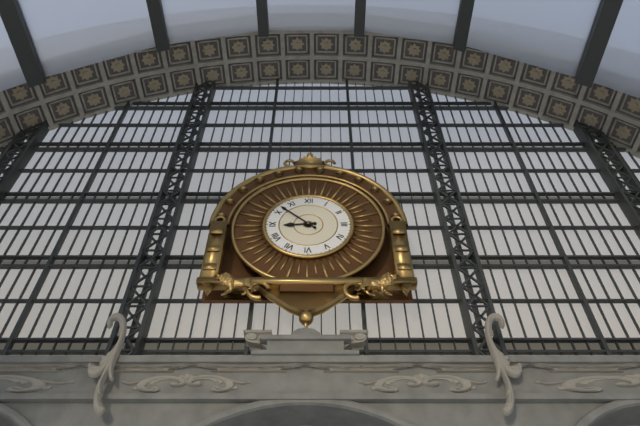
8.52
